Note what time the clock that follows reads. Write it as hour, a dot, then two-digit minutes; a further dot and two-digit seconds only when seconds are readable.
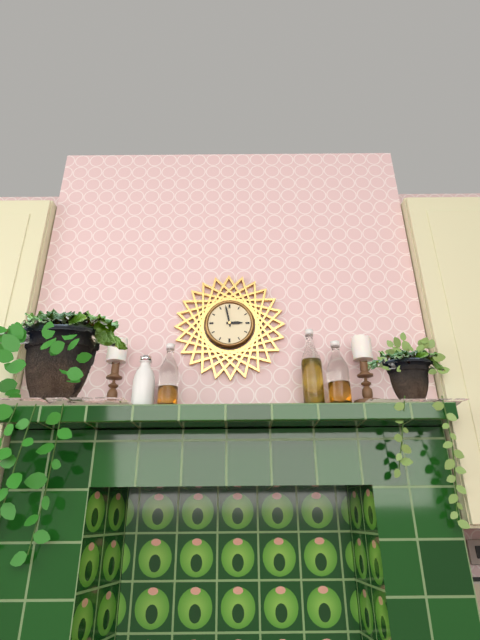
2.58
